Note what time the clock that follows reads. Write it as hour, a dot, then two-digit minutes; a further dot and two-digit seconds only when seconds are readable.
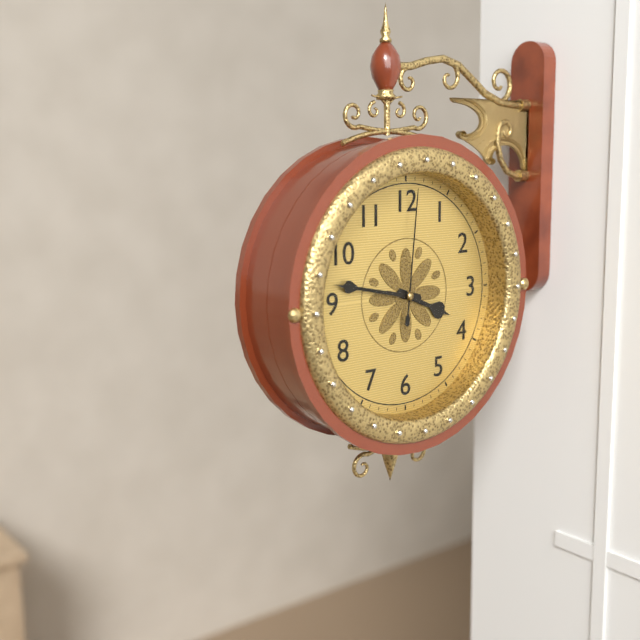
3.47.01
